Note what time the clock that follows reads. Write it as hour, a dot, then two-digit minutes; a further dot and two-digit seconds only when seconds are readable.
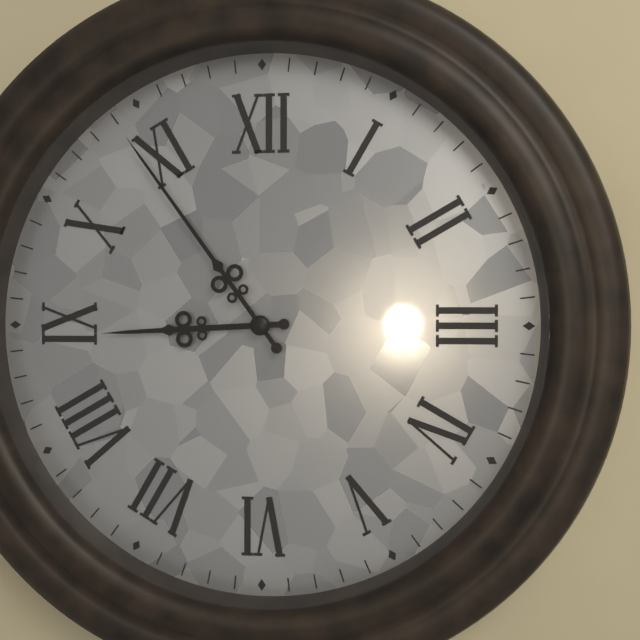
8.54
